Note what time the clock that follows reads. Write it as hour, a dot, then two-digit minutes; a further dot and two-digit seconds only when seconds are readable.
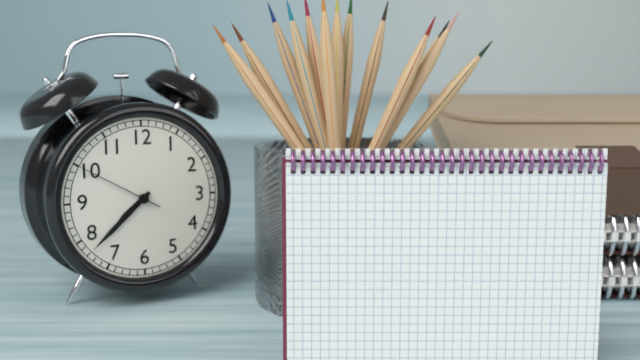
7.38.50
